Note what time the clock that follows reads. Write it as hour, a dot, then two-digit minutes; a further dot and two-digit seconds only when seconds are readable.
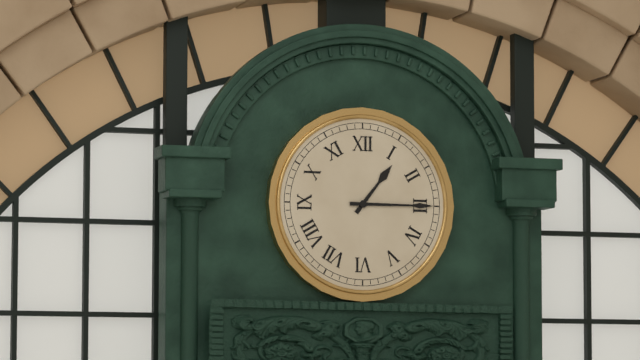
1.15
